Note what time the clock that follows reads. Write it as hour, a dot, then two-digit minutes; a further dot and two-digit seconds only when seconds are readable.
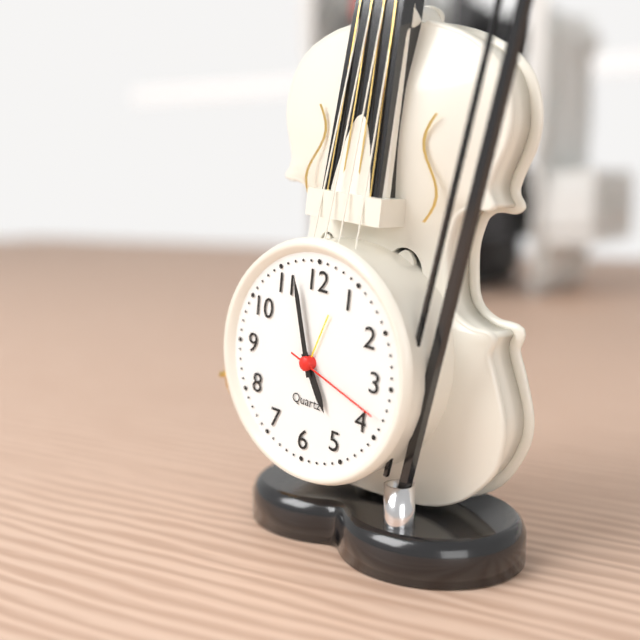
4.57.18
